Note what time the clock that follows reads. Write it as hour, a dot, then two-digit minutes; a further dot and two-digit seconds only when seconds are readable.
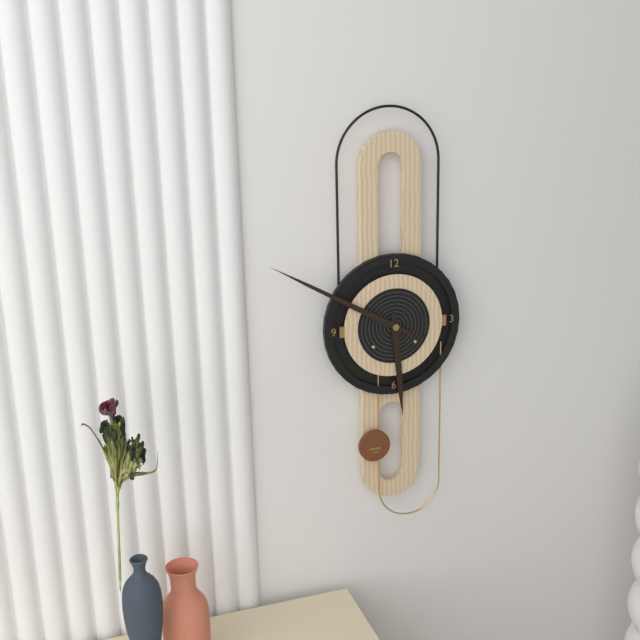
5.50
